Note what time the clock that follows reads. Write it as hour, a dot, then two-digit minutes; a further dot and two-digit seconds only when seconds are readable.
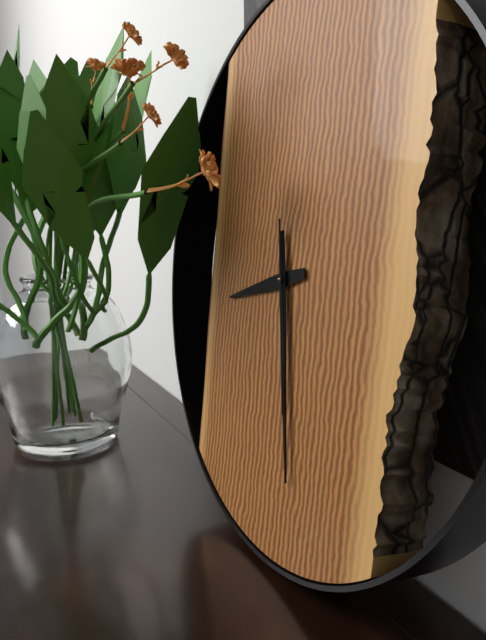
8.28.28
